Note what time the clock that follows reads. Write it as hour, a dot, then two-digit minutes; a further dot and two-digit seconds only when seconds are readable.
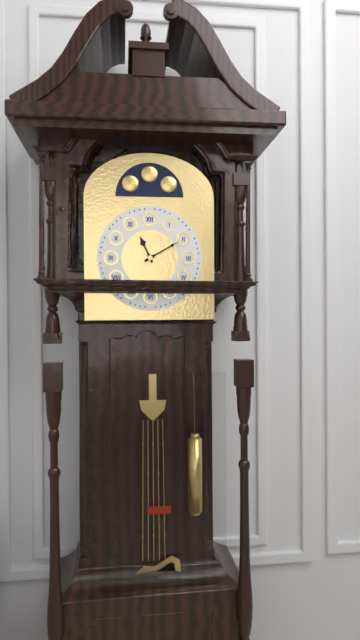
11.10
